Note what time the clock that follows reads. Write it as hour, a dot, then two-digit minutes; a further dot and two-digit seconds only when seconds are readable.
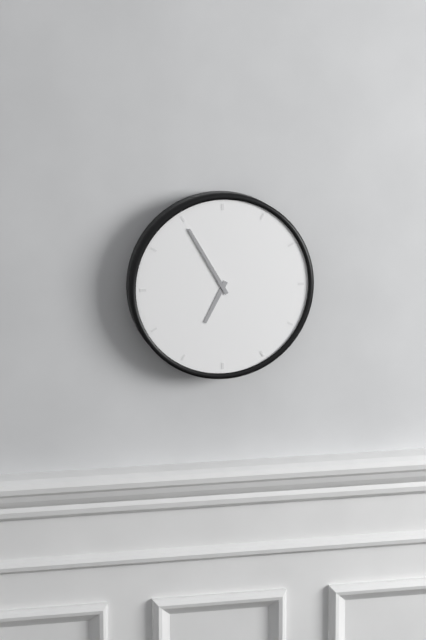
6.55
